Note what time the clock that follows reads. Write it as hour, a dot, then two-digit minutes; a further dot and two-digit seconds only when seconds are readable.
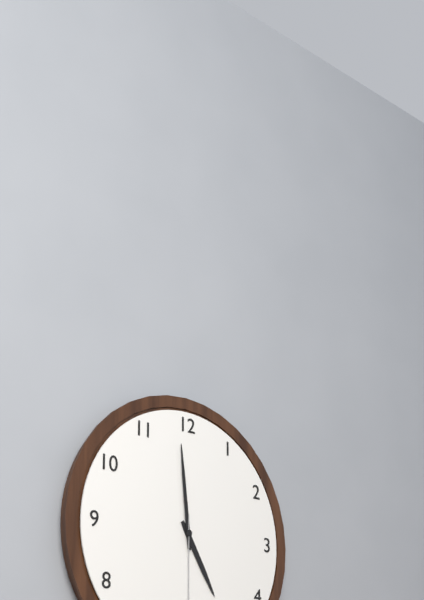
4.59
